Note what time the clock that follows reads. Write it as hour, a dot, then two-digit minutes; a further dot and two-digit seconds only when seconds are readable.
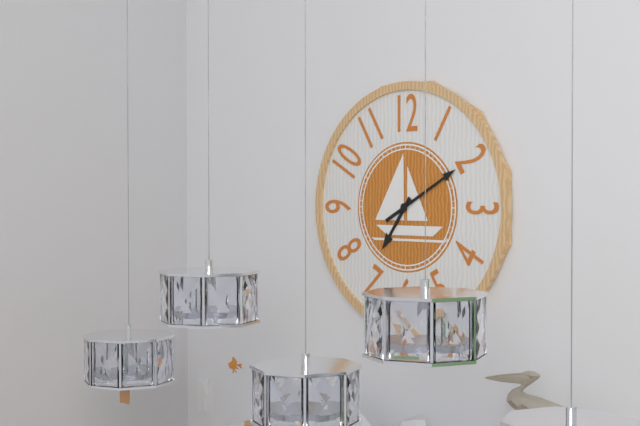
7.10
